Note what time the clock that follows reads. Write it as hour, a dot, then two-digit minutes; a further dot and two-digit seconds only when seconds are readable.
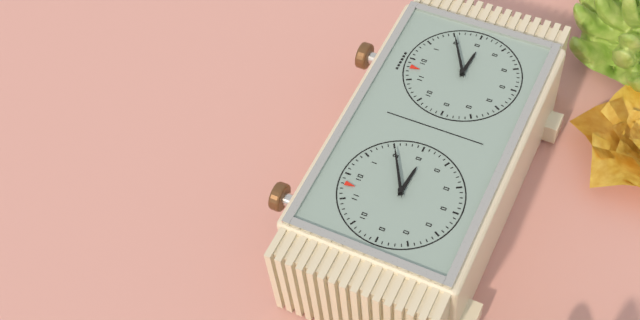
3.10
